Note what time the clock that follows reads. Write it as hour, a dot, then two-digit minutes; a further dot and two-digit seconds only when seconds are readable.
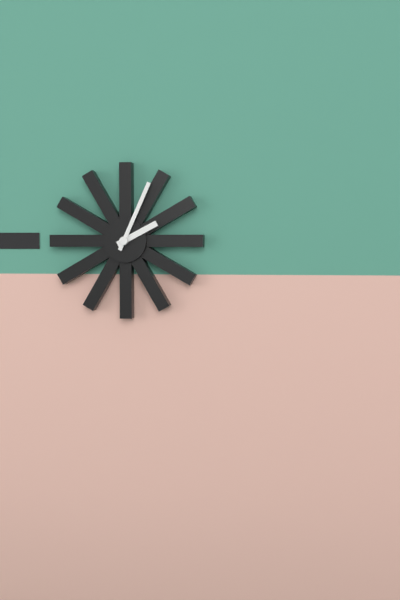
2.04
